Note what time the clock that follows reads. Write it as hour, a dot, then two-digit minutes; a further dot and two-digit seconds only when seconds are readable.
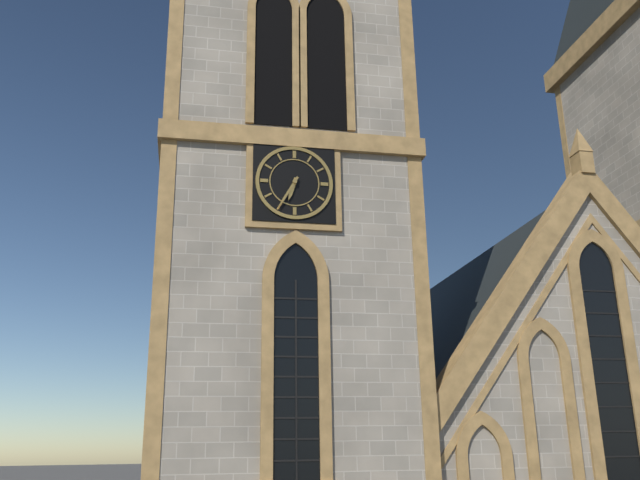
6.35
